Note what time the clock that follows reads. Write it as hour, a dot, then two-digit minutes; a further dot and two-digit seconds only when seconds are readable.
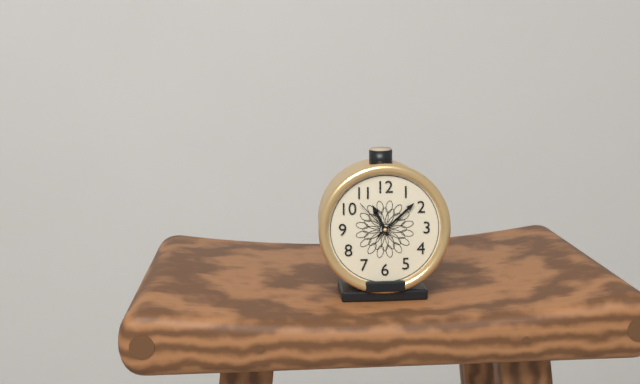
11.08
